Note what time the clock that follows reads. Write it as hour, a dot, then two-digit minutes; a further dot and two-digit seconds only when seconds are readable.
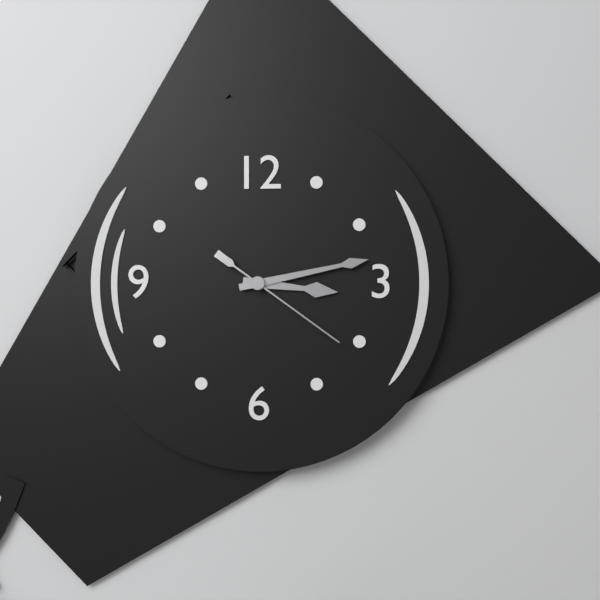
3.13.21
